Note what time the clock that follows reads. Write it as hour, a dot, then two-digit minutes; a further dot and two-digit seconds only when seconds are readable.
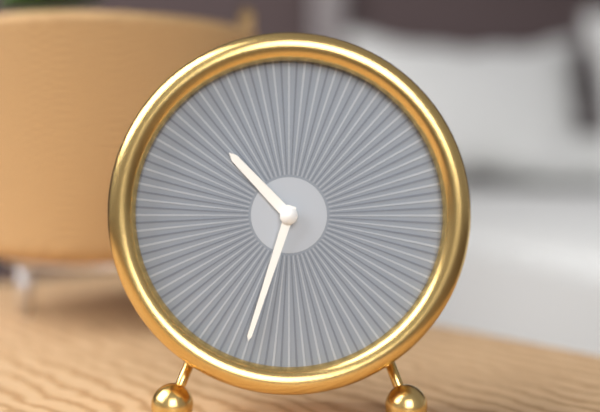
10.33
